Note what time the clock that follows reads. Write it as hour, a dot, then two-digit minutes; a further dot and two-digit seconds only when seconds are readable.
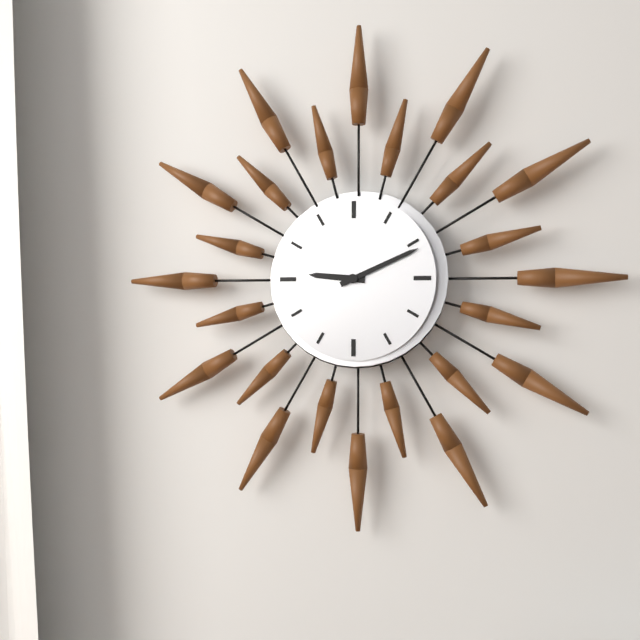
9.11
